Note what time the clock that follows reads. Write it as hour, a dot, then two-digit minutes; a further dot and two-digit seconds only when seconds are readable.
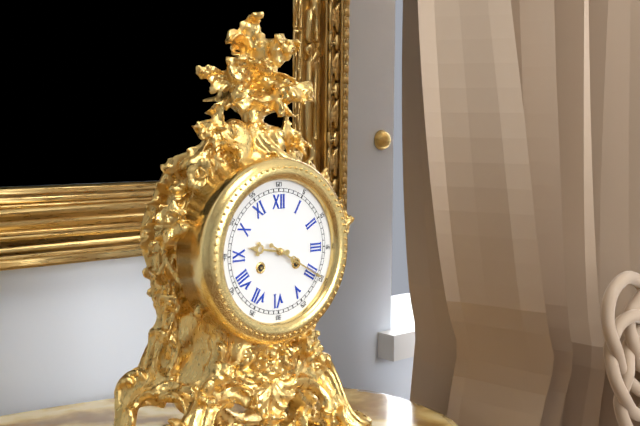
9.20
